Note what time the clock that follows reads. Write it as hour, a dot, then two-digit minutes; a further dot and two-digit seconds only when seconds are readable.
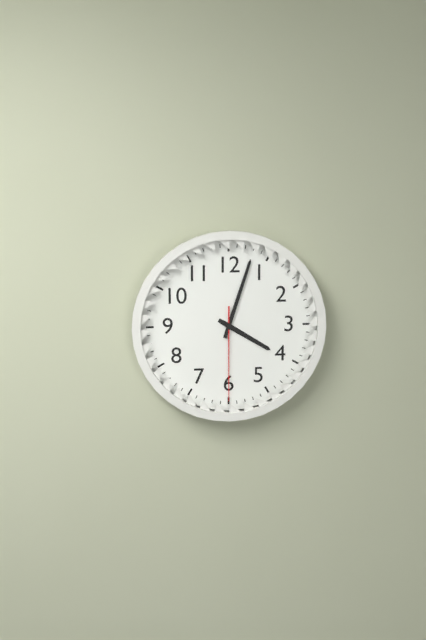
4.03.30
